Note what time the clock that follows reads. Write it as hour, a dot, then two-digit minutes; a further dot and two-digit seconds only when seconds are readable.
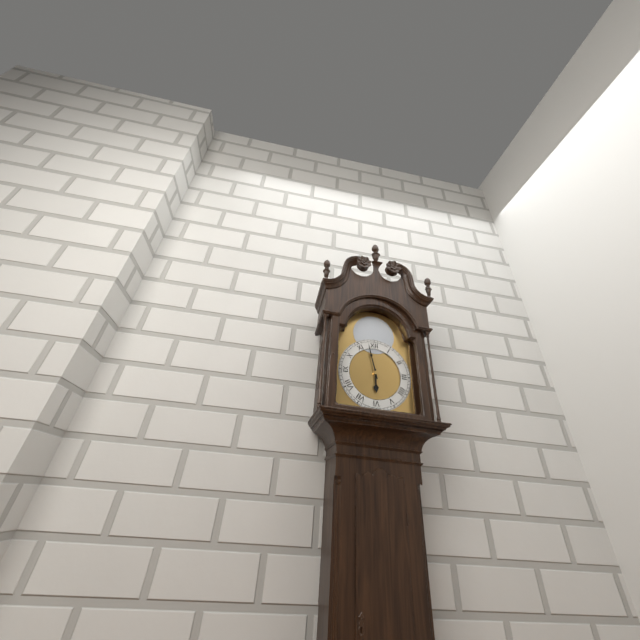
5.58
